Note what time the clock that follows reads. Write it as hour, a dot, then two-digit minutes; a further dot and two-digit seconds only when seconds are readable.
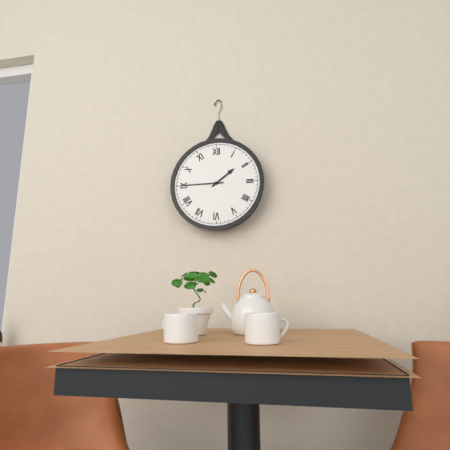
1.45
